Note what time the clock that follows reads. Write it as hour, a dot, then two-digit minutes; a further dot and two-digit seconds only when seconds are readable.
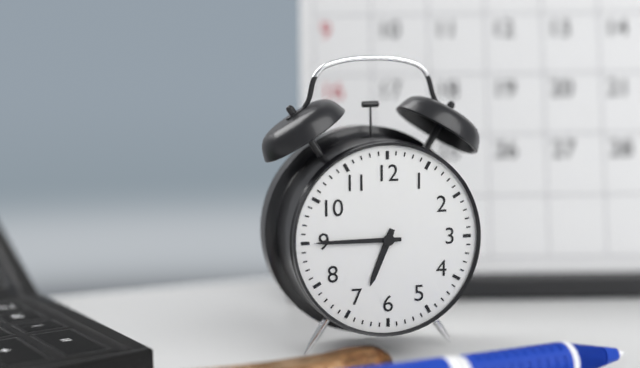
6.45
